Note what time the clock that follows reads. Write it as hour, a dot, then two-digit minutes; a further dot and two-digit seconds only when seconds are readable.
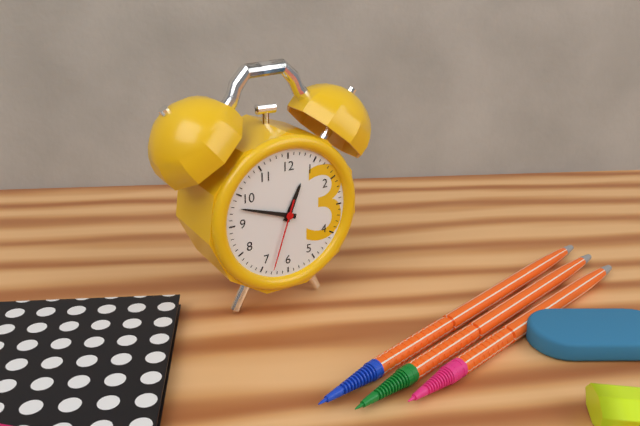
12.48.33
